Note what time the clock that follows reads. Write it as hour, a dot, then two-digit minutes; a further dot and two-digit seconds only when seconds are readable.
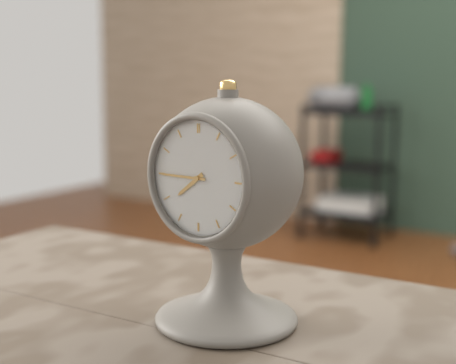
7.45
